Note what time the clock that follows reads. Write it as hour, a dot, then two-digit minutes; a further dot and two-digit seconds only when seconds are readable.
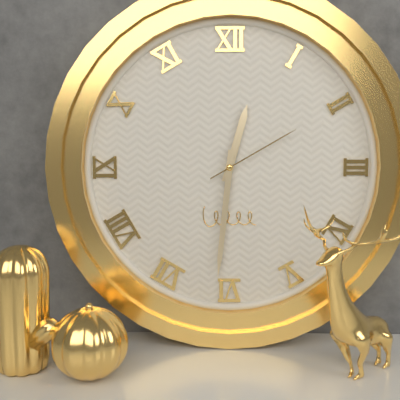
12.31.10
